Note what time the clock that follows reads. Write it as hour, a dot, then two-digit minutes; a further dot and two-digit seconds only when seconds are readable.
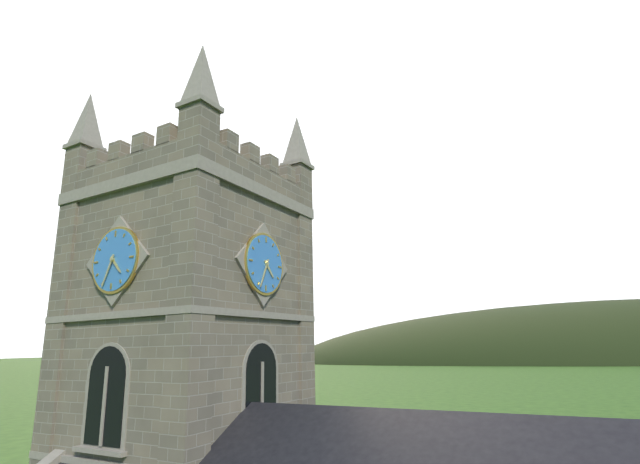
4.34
